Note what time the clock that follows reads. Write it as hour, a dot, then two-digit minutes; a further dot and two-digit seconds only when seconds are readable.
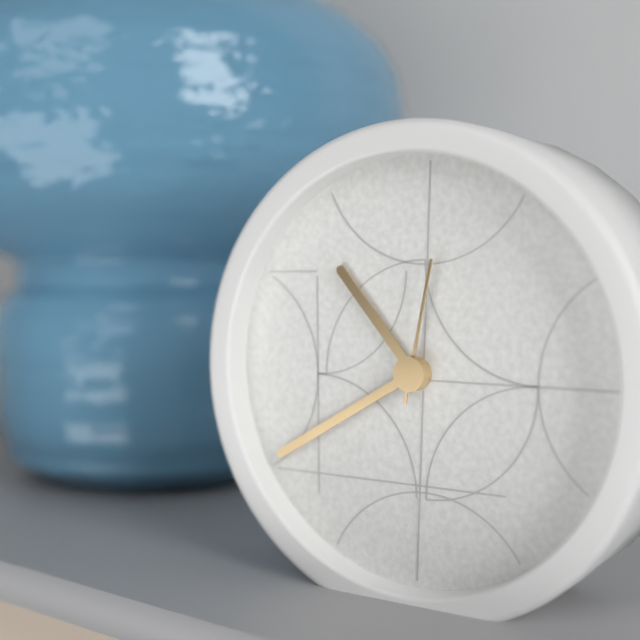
10.40.02
